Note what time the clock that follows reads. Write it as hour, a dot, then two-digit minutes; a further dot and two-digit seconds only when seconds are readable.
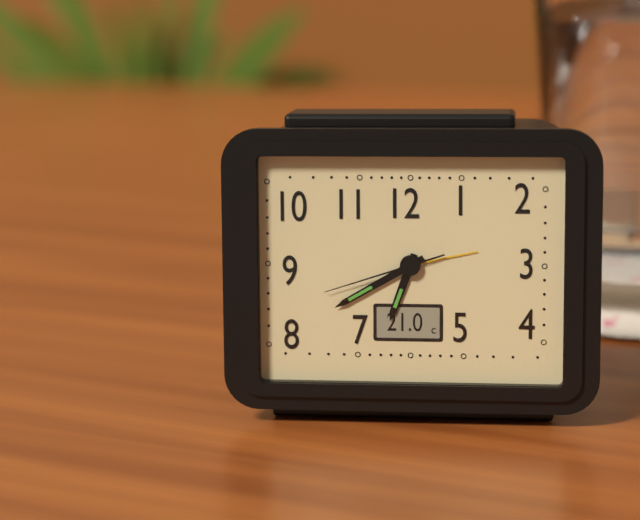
6.40.42
